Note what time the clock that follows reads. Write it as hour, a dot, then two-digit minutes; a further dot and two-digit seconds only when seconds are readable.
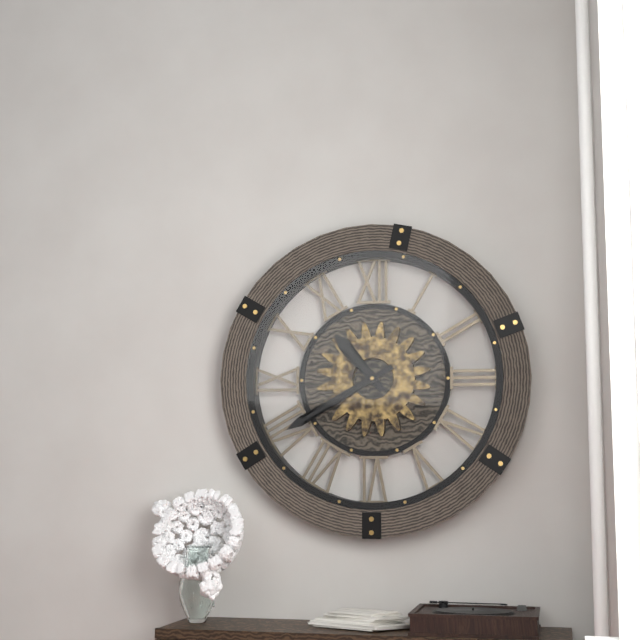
10.40
